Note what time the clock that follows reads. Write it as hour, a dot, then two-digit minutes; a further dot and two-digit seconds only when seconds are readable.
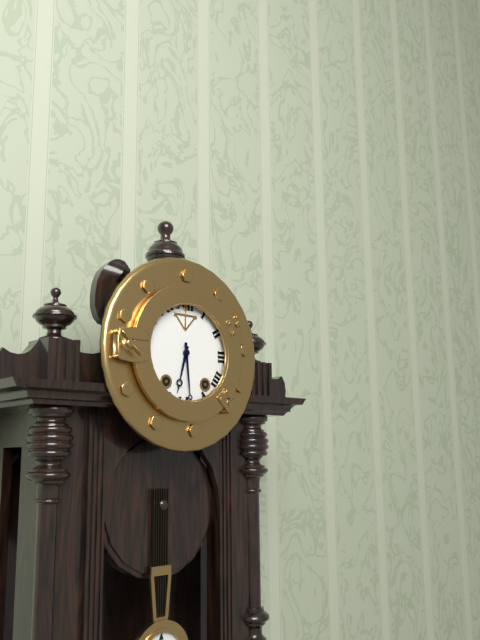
6.29
